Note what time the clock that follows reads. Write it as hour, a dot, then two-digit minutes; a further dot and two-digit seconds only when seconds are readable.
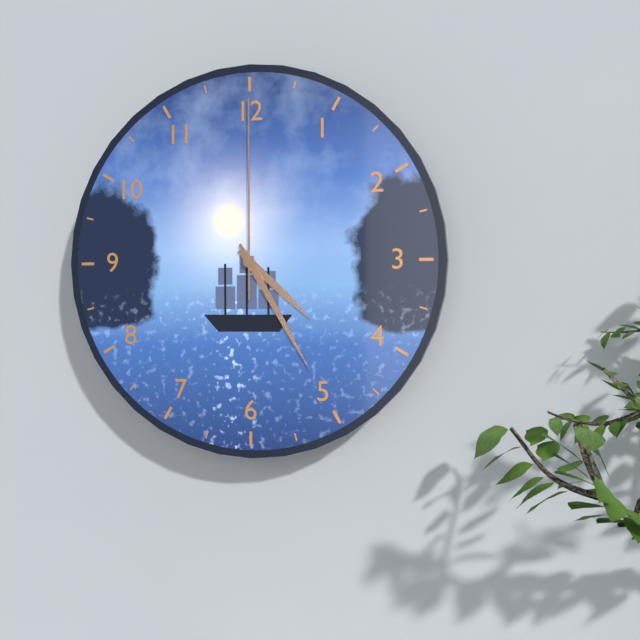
4.25.00
